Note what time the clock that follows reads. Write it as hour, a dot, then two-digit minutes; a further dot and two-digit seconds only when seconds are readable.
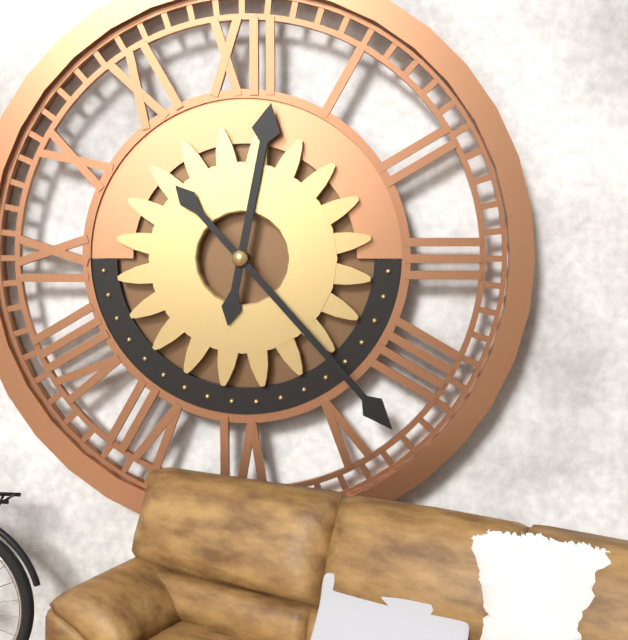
12.23
